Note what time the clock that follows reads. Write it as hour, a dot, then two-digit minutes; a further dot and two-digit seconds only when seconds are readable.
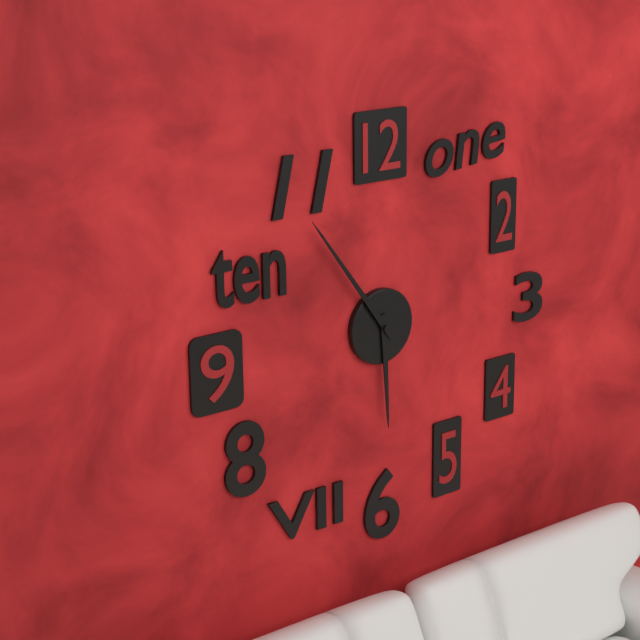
5.54
